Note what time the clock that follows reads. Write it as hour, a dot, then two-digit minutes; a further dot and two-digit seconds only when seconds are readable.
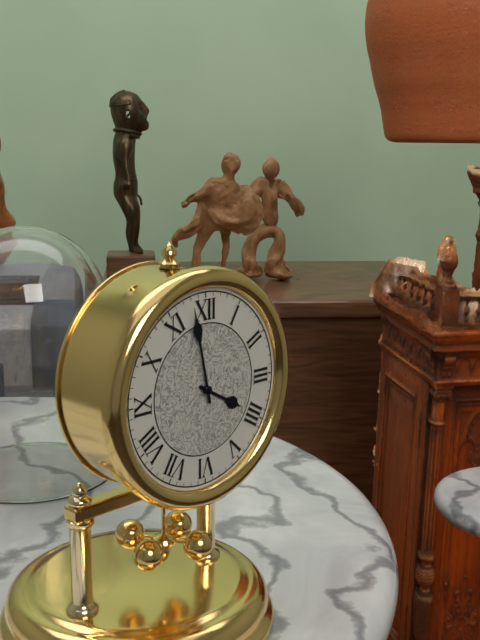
3.58
